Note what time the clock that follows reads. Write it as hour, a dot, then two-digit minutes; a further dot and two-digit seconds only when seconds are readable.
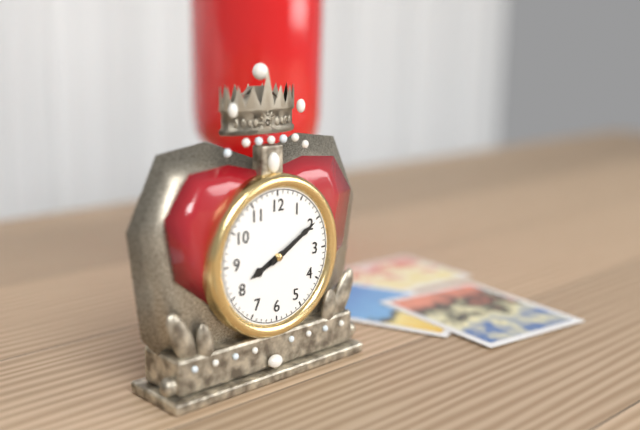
8.10
